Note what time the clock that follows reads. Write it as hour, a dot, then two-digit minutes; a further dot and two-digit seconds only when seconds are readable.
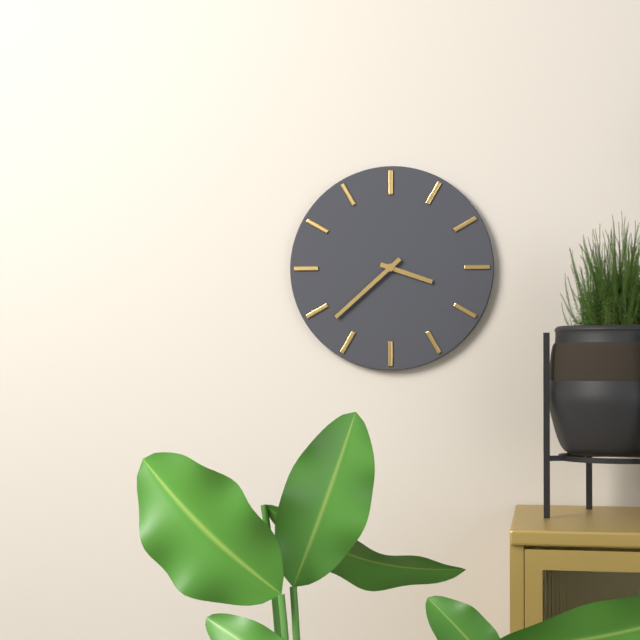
3.38
